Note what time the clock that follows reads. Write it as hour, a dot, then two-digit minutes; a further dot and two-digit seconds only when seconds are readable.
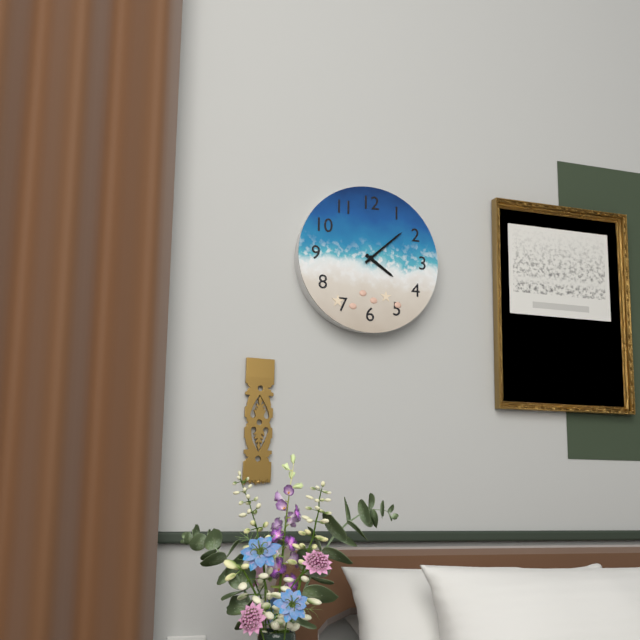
4.08
